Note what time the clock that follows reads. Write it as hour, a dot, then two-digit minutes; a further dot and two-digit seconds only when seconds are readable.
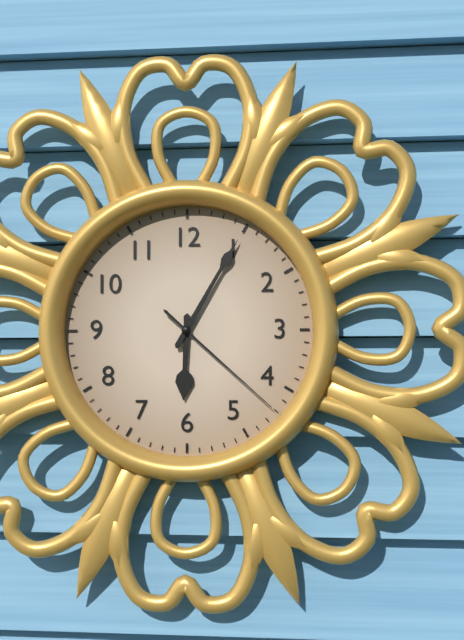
6.05.22
